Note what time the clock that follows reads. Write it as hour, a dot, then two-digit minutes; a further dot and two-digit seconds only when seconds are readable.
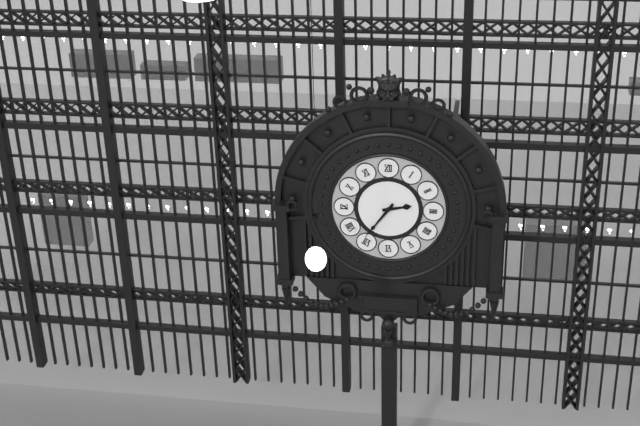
2.36
